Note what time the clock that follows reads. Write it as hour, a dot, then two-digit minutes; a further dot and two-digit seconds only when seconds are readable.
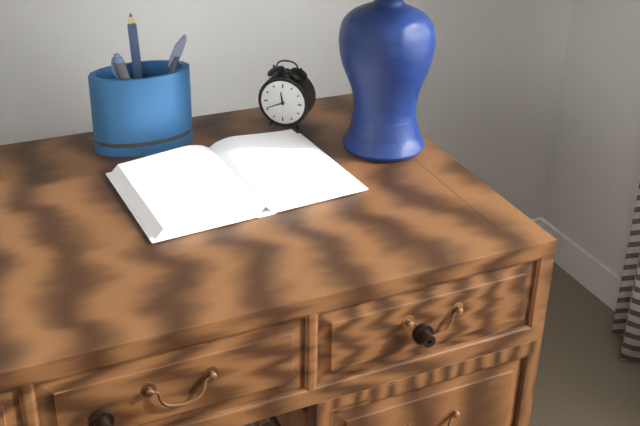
11.41
